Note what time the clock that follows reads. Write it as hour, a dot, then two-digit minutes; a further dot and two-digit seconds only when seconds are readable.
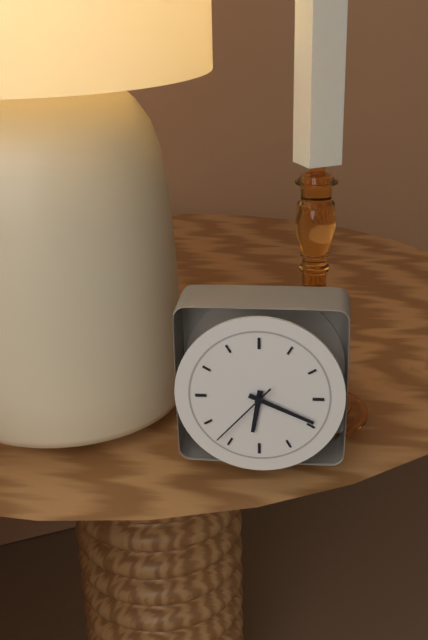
6.19.37
